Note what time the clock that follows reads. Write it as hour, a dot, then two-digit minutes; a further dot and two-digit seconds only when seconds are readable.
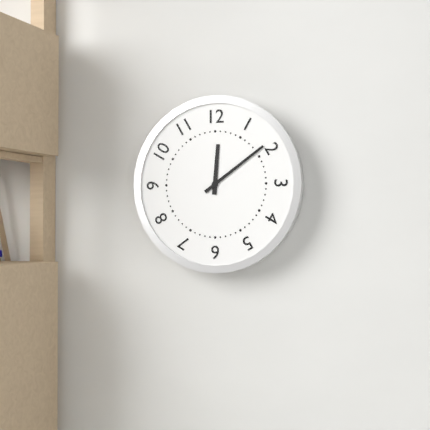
12.09
